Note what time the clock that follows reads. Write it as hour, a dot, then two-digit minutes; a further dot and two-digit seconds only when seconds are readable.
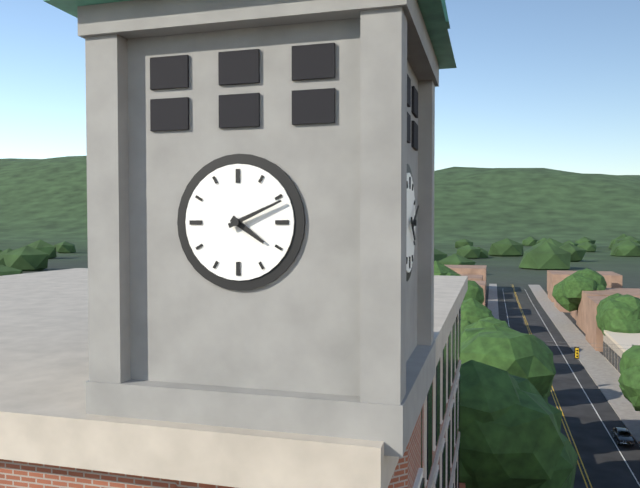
4.11
